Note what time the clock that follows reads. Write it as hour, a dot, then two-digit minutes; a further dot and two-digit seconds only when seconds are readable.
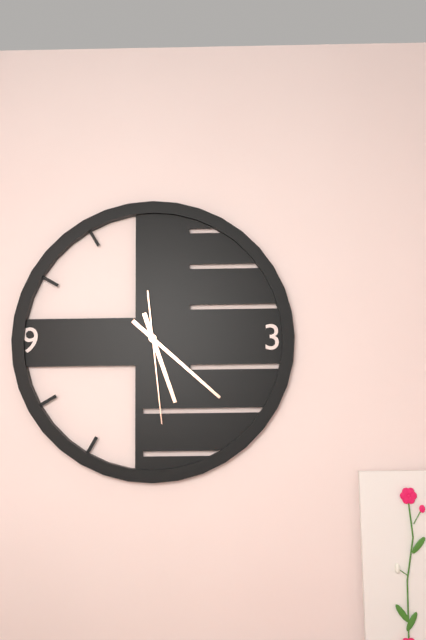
5.22.29
